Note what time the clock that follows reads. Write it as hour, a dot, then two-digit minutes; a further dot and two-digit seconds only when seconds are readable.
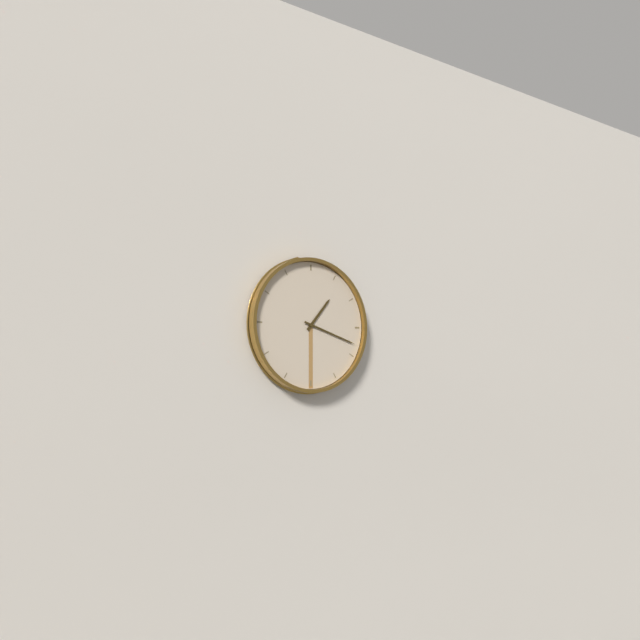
1.18
